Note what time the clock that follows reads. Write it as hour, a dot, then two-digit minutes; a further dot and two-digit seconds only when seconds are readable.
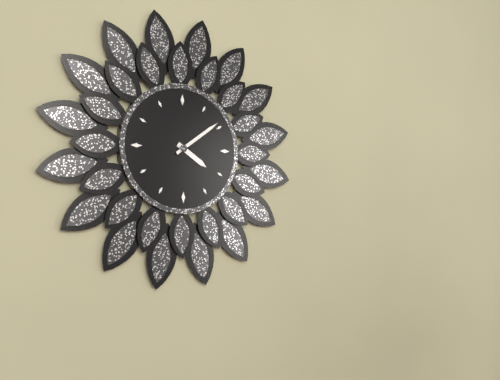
4.09
